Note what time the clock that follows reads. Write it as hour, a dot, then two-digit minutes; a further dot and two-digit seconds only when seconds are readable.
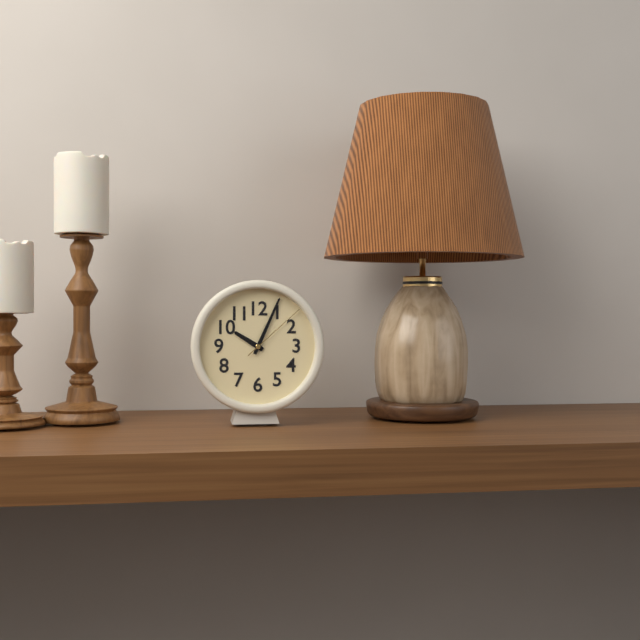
10.04.08
